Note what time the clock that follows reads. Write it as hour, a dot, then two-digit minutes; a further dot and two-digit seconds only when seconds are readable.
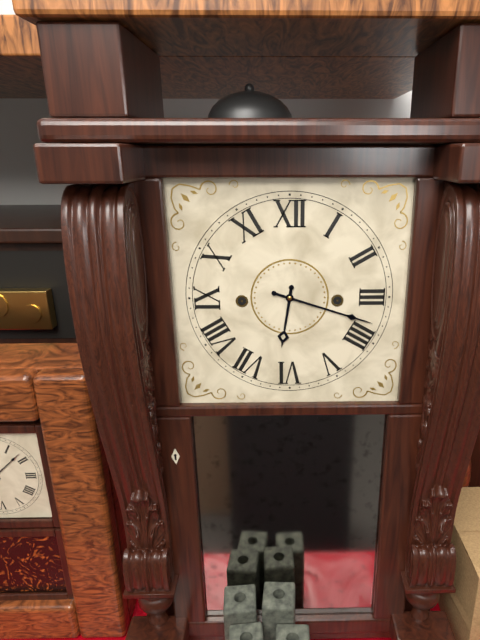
6.18
